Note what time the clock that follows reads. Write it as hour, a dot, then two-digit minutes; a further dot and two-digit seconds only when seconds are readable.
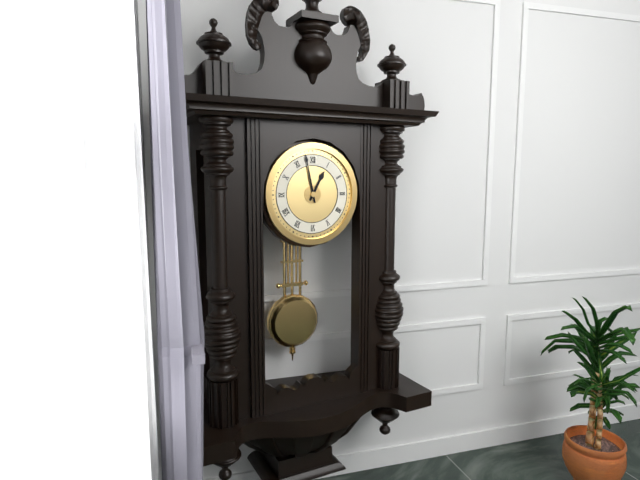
12.58
